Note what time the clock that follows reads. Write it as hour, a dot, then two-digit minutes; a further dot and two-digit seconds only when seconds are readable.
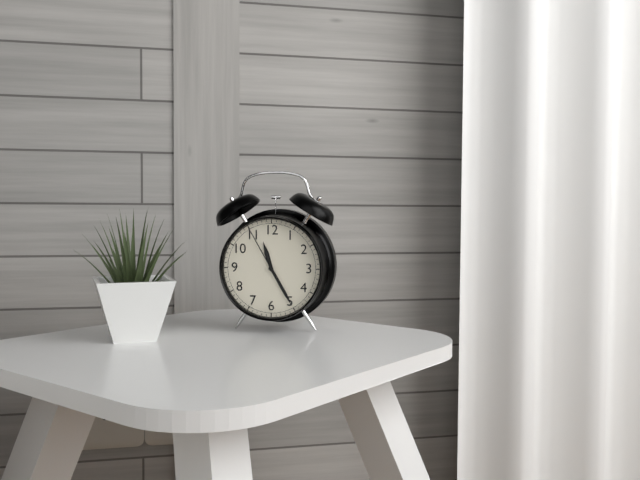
11.25.55
